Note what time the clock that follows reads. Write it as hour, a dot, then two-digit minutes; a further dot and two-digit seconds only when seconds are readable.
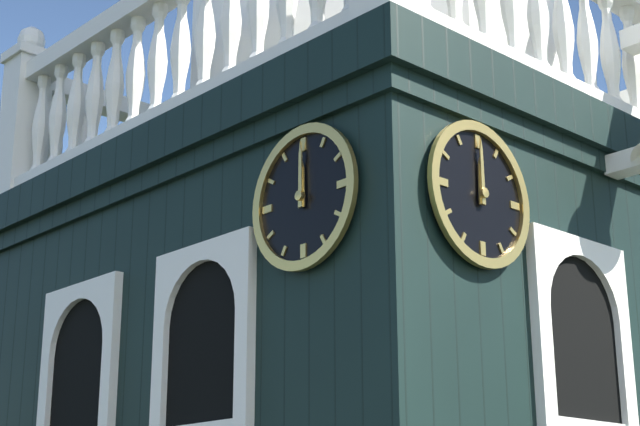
12.00
